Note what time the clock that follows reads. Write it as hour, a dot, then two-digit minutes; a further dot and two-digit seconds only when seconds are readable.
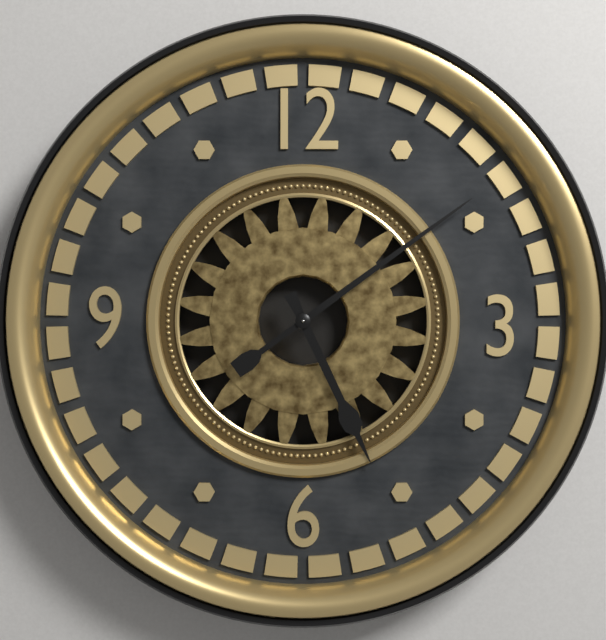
5.09
